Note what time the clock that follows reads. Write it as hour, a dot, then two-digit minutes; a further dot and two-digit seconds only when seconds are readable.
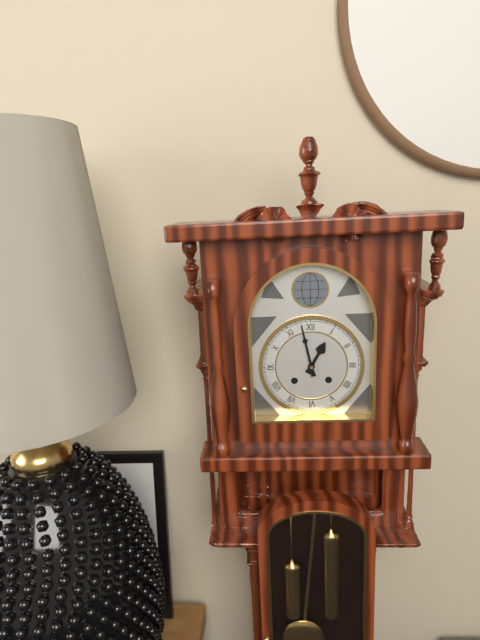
12.58
